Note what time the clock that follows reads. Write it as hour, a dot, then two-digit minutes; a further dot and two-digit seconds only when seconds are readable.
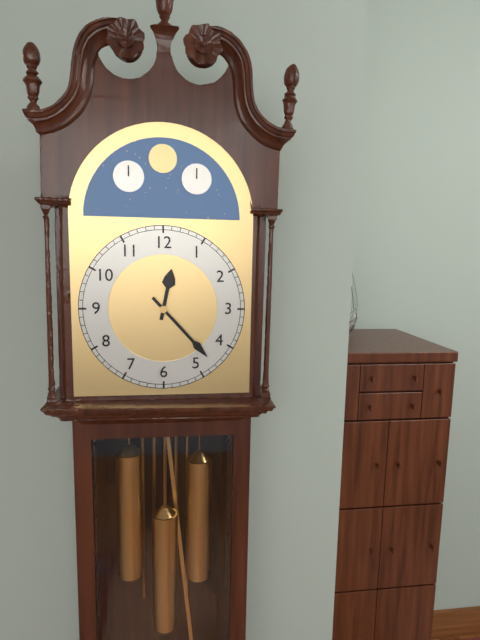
12.23
